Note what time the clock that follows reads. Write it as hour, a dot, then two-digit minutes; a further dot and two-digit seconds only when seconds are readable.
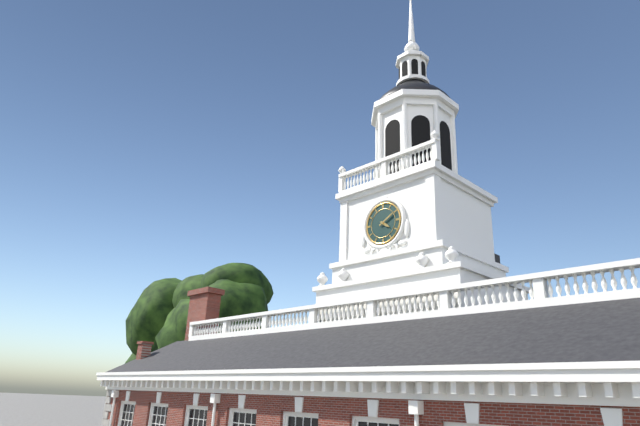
4.10
